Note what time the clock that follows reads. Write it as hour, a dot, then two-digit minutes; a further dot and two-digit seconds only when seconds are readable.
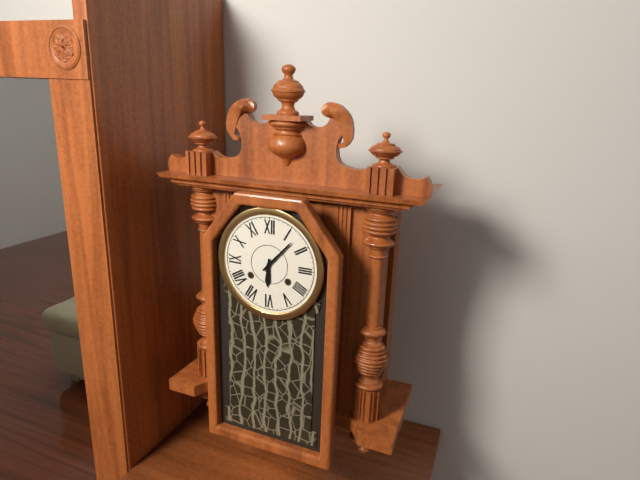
6.07
